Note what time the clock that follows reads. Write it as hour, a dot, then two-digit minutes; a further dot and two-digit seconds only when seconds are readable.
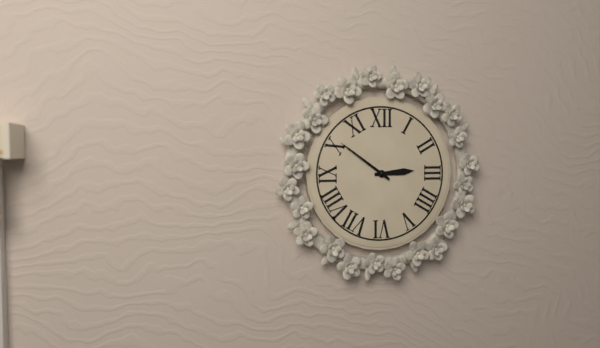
2.51
